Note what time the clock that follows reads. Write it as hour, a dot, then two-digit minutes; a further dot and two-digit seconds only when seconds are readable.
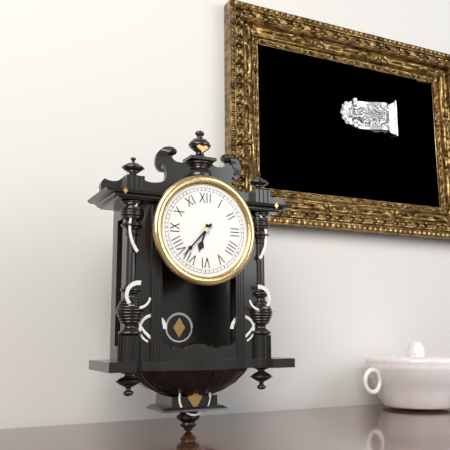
6.37
